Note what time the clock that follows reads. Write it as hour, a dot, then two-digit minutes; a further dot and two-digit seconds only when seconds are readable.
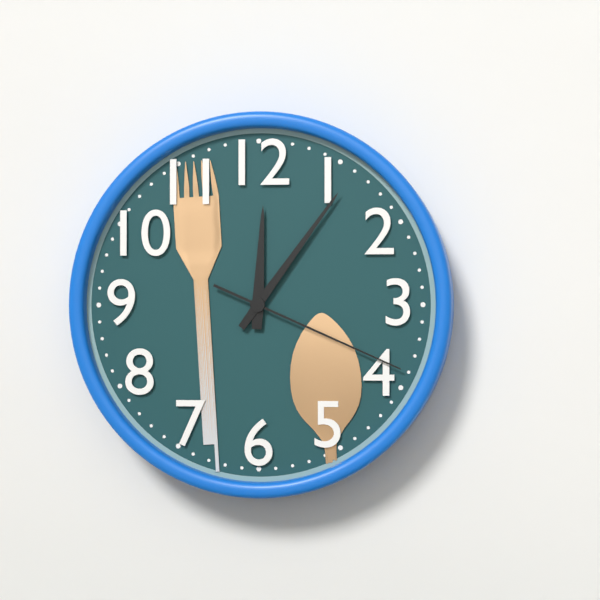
12.06.19
